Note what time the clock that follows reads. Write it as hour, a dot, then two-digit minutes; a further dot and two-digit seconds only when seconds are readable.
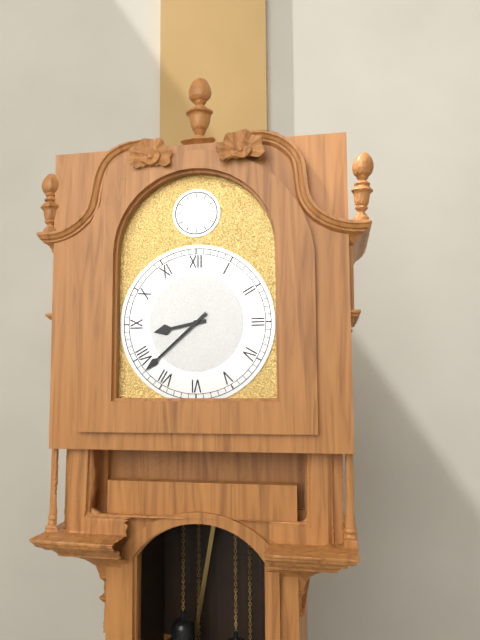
8.38
